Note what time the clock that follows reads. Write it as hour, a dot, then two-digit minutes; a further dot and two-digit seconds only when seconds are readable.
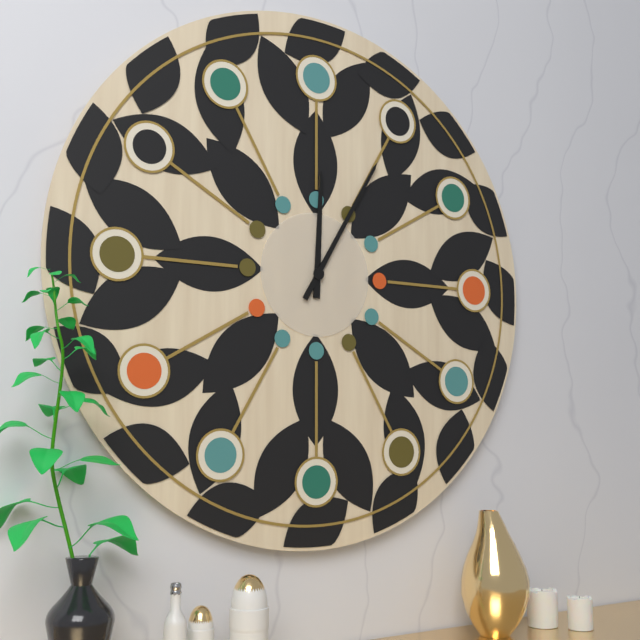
12.05
